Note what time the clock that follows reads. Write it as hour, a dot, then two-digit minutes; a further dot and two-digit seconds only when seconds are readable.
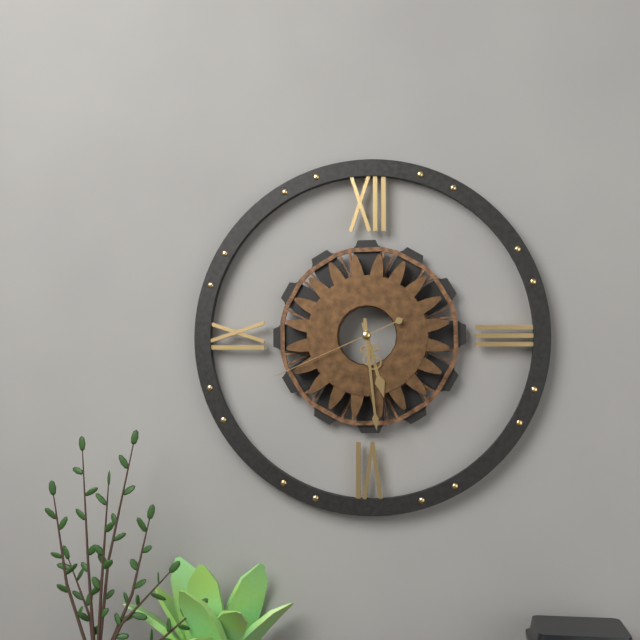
5.29.41
